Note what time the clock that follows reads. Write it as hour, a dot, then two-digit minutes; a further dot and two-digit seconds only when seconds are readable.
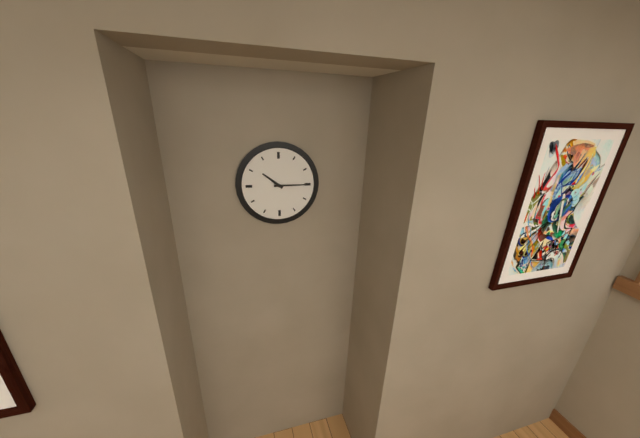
10.15
